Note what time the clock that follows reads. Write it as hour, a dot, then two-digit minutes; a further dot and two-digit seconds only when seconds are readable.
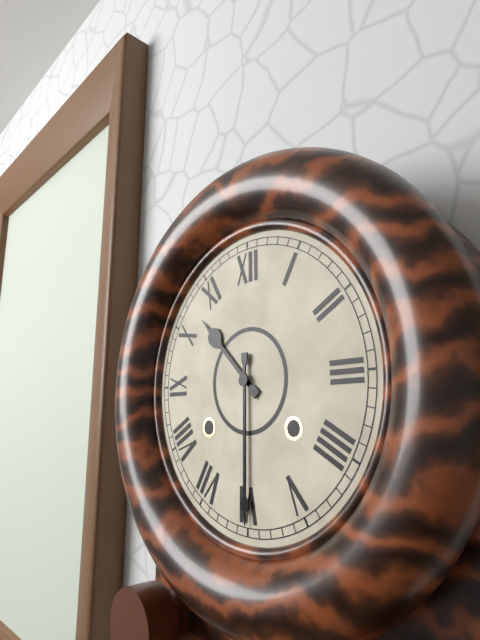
10.30
